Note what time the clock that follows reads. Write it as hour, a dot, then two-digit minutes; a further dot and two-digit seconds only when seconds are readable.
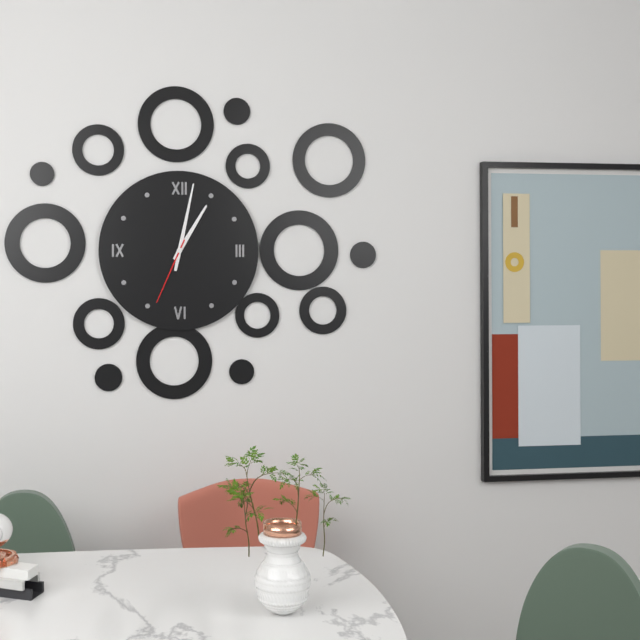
1.02.34
